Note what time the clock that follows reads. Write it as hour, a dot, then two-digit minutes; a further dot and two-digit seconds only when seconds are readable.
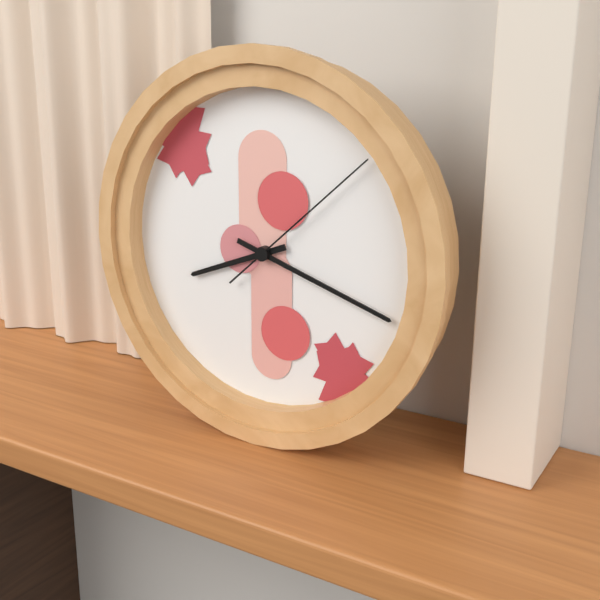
8.18.08
